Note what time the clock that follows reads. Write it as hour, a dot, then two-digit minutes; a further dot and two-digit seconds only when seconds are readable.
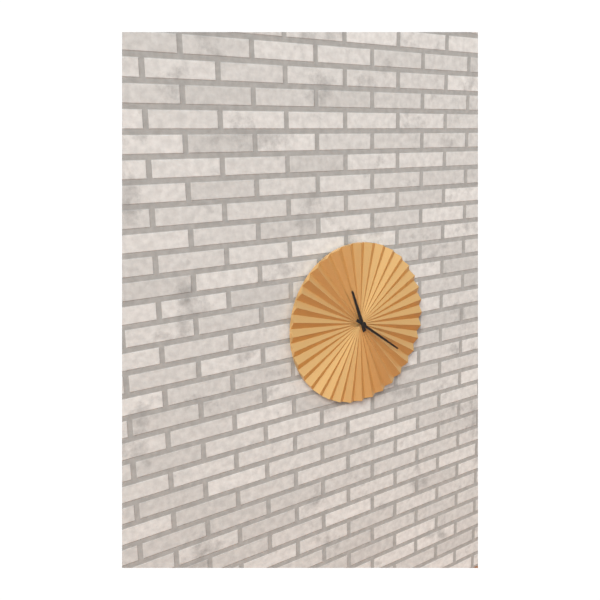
11.21
